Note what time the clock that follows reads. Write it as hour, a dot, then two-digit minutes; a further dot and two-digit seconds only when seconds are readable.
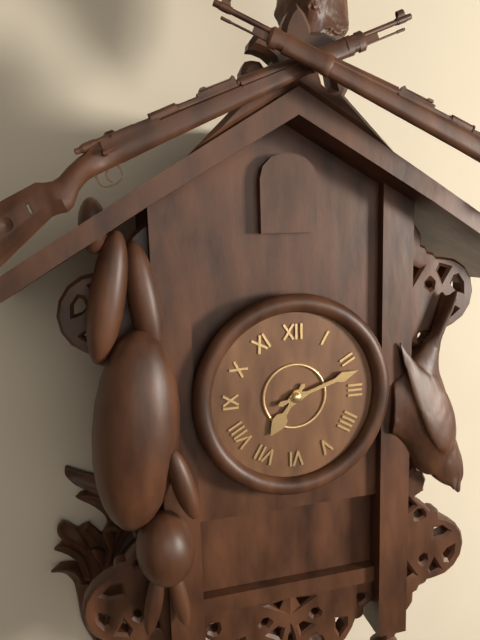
7.12
